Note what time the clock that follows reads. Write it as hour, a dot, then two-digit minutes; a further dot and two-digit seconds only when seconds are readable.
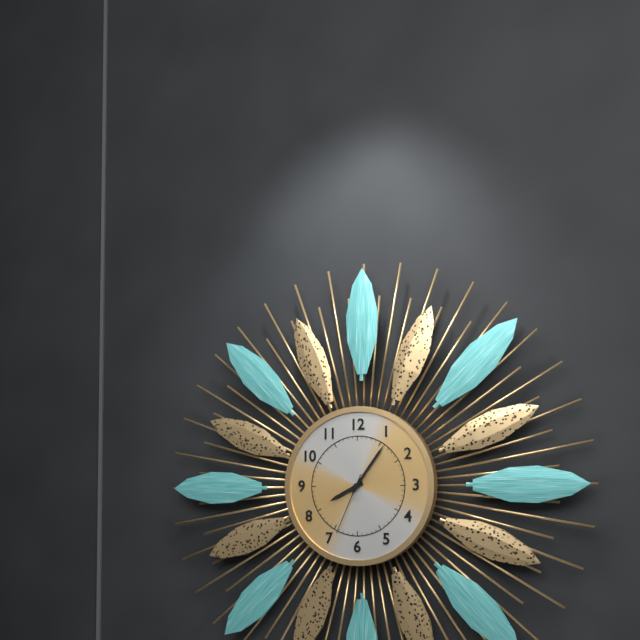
8.06.34
